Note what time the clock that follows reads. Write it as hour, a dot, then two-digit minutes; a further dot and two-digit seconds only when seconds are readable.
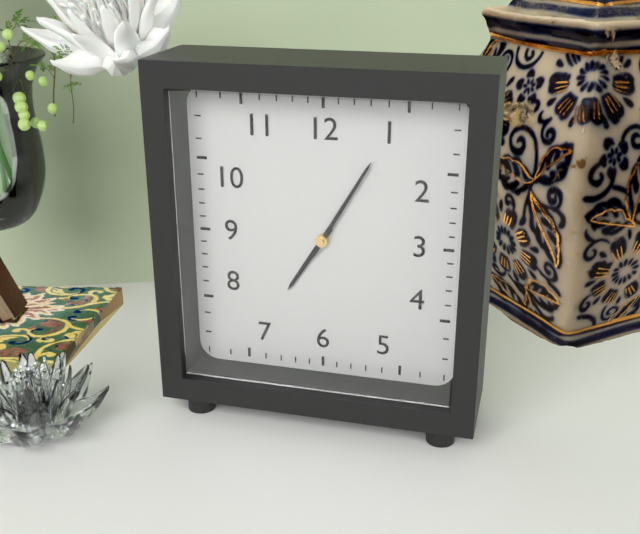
7.05
